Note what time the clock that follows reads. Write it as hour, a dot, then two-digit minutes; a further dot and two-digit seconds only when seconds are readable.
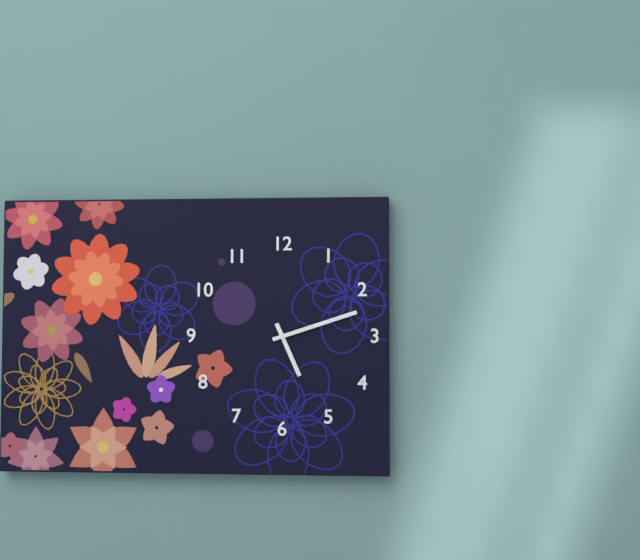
5.12
